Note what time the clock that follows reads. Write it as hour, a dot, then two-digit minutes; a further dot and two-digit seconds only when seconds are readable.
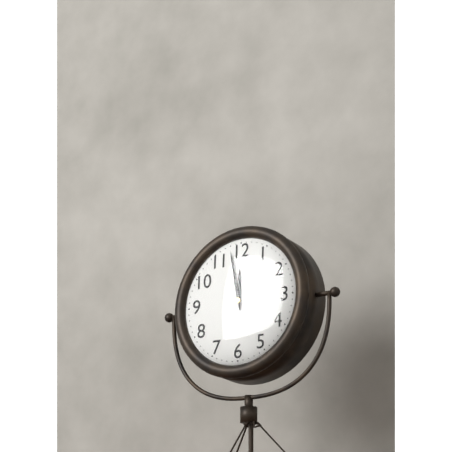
11.58
